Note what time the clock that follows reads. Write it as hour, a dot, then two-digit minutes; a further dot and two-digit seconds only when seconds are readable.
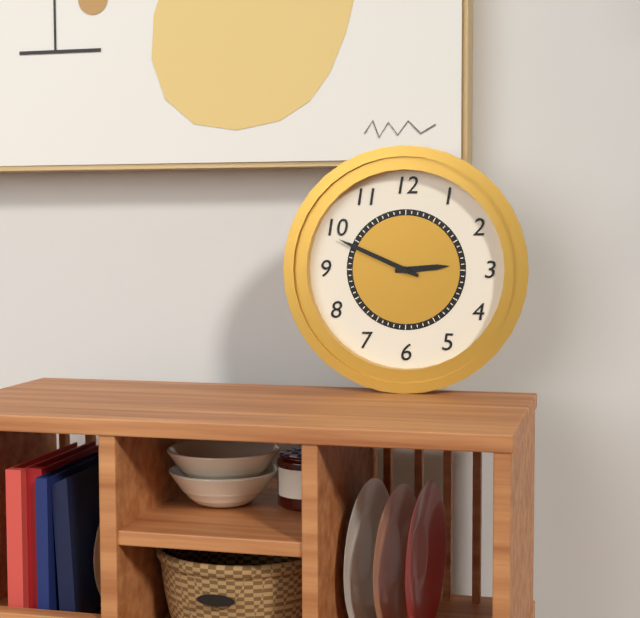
2.49
